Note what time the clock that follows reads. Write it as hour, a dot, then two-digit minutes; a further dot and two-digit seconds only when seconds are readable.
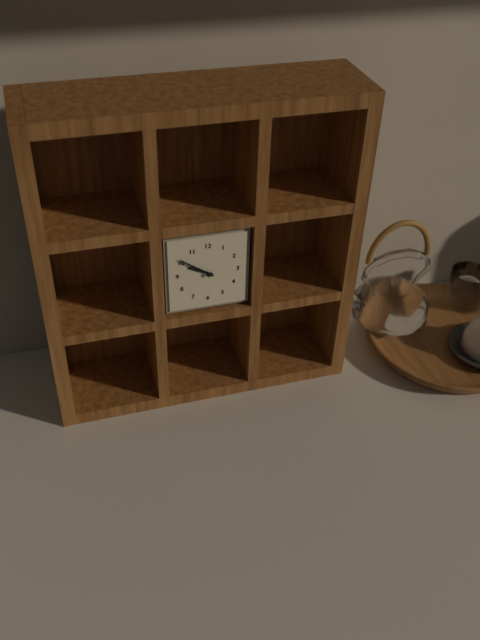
9.51
